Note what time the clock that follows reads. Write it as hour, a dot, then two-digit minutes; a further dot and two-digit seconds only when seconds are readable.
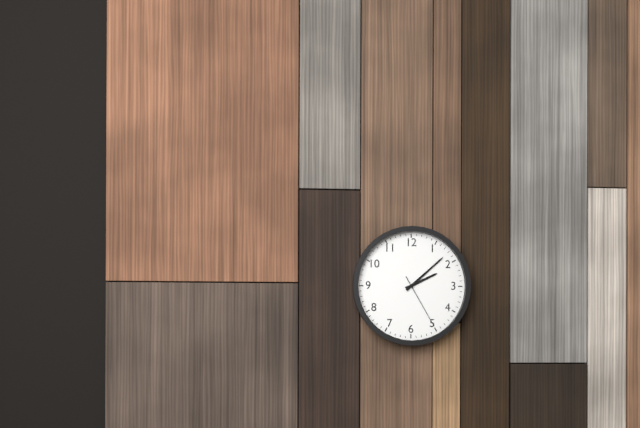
2.08.25
